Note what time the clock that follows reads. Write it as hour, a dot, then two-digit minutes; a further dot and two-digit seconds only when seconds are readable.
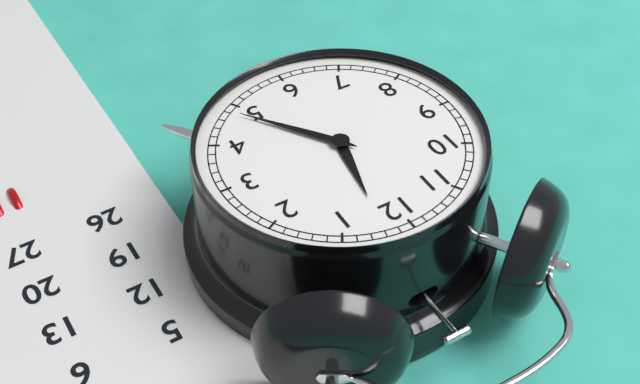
12.24
